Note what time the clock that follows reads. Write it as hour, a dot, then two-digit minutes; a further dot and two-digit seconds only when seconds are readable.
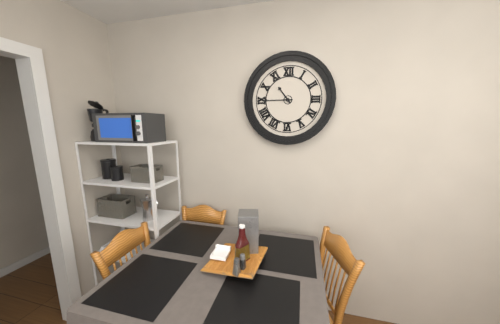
10.45
